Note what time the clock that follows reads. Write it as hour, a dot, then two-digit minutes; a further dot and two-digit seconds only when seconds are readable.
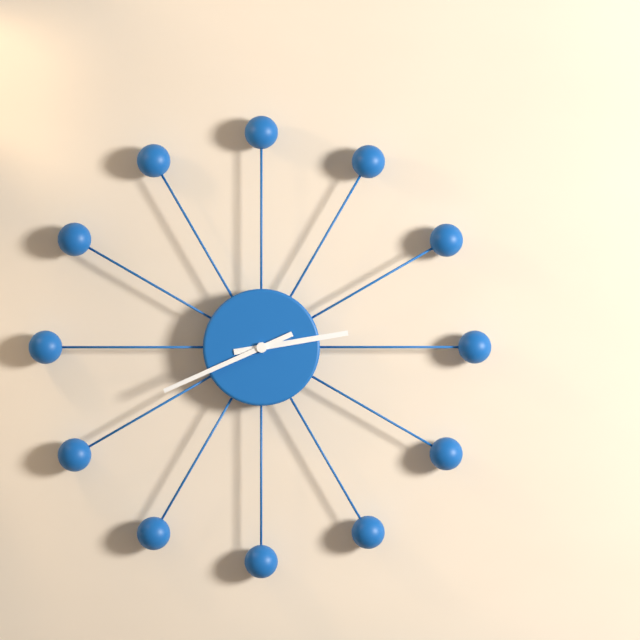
2.41
